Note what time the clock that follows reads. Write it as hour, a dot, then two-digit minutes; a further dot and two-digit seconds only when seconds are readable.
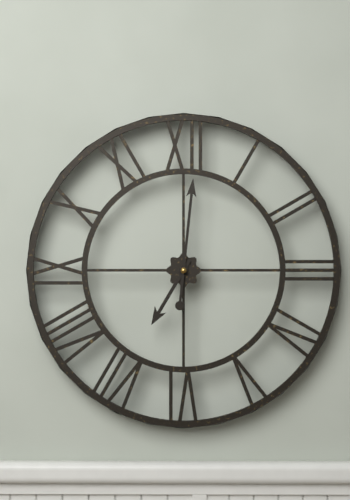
7.01
